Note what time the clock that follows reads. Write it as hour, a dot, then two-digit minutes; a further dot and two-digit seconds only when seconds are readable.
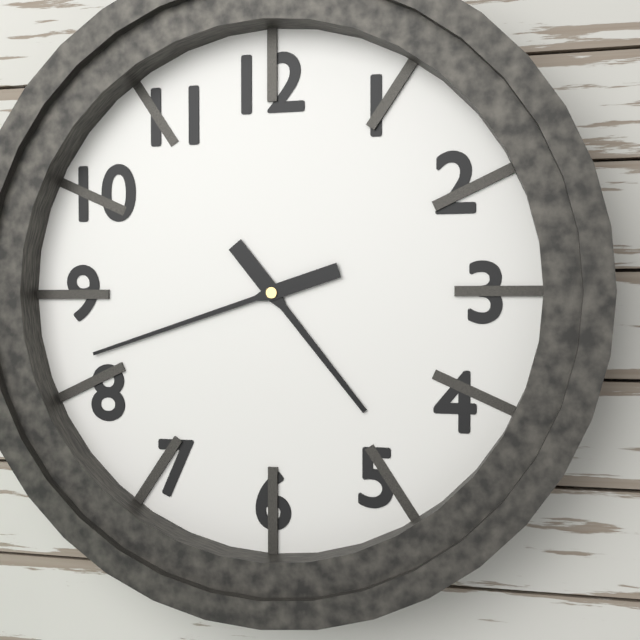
4.42
